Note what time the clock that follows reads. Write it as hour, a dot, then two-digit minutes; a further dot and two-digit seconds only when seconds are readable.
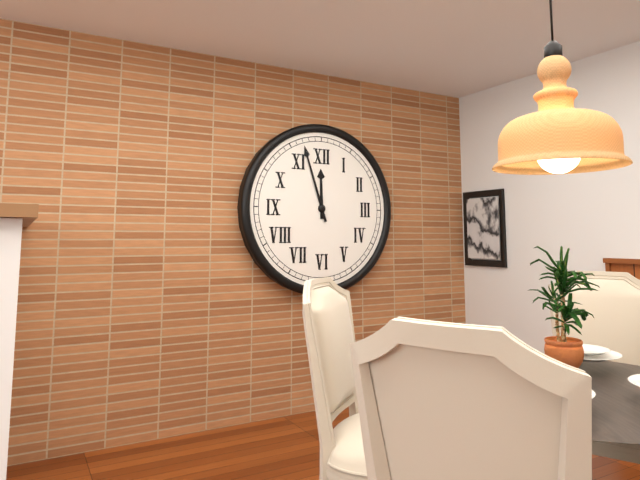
11.57
